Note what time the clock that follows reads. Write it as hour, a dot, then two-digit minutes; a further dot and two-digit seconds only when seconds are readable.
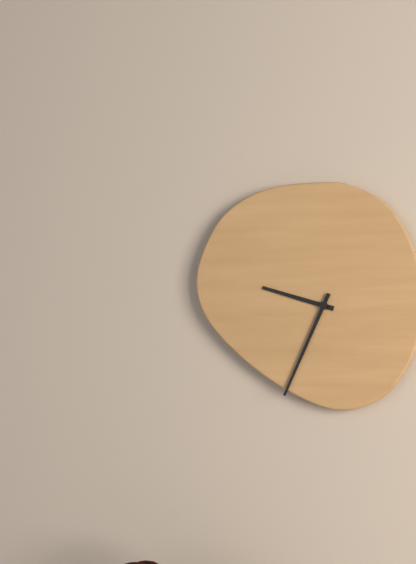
9.34
